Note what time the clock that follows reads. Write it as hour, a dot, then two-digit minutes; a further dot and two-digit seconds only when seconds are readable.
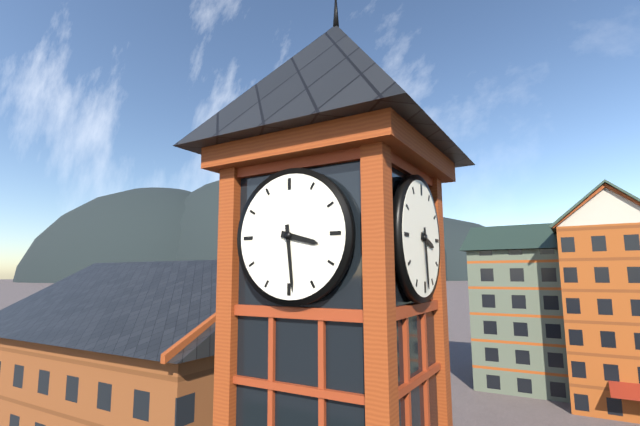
3.29
